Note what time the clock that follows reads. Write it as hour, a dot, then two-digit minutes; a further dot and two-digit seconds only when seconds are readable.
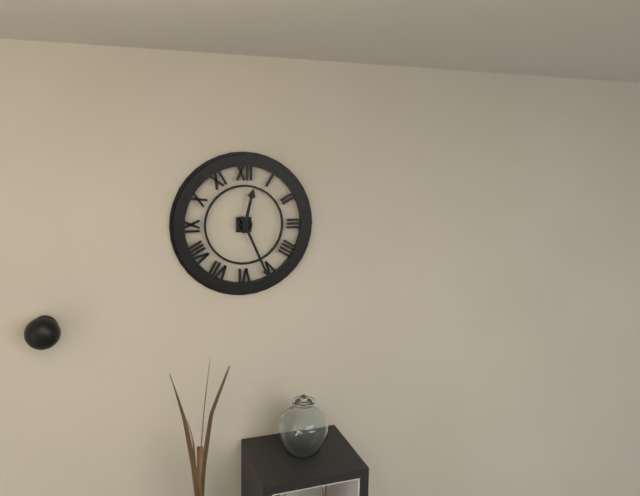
12.26
